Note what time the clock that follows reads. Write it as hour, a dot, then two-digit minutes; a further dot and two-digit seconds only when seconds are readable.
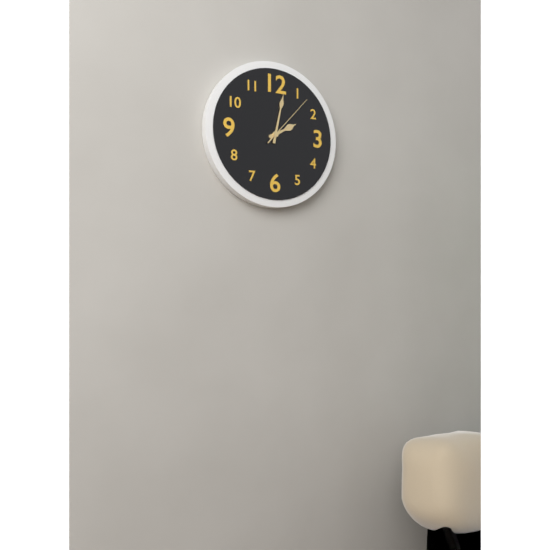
2.02.07
